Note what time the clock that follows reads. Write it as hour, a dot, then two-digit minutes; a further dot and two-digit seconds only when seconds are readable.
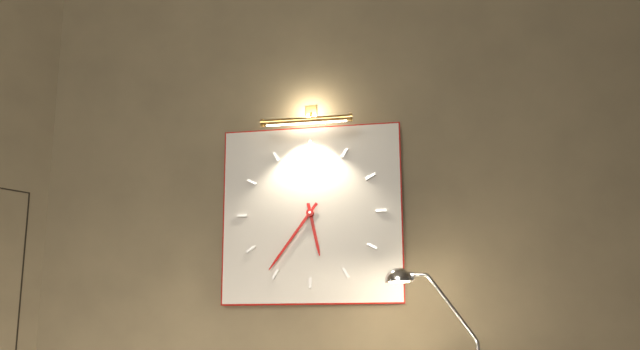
5.36
